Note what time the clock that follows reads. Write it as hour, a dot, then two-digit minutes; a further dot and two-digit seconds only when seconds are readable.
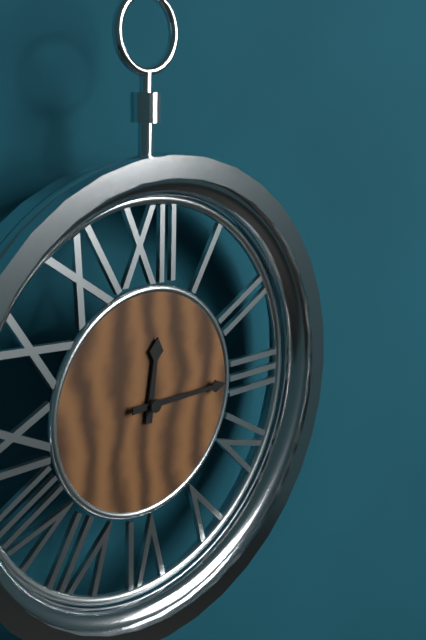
12.15
